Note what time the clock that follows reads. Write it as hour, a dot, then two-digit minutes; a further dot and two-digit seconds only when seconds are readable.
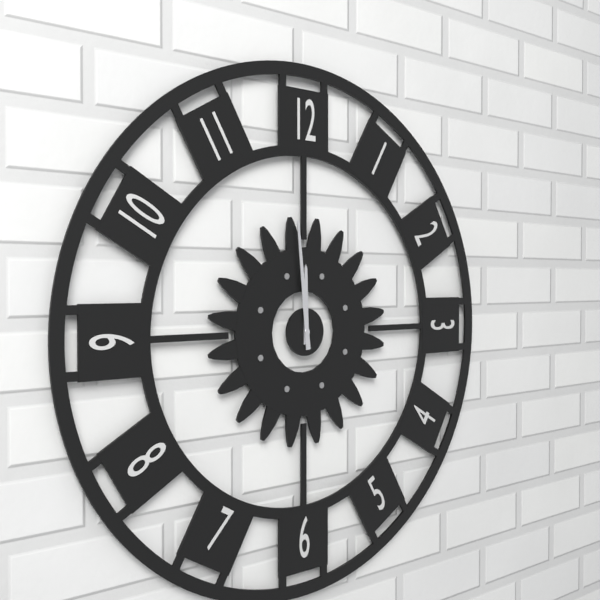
11.59
